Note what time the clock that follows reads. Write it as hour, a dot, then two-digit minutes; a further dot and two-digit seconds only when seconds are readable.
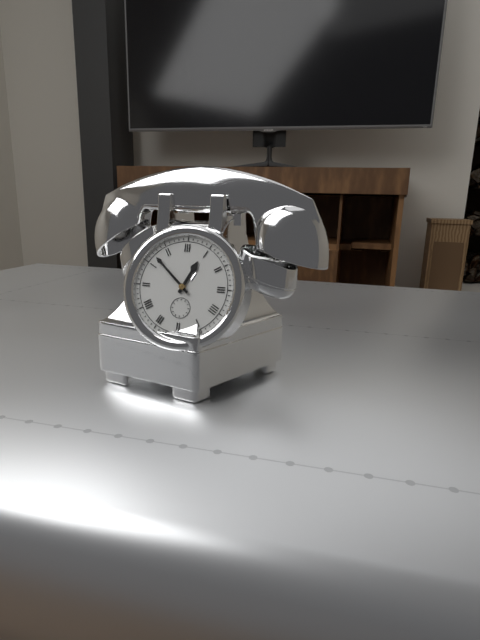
12.52
